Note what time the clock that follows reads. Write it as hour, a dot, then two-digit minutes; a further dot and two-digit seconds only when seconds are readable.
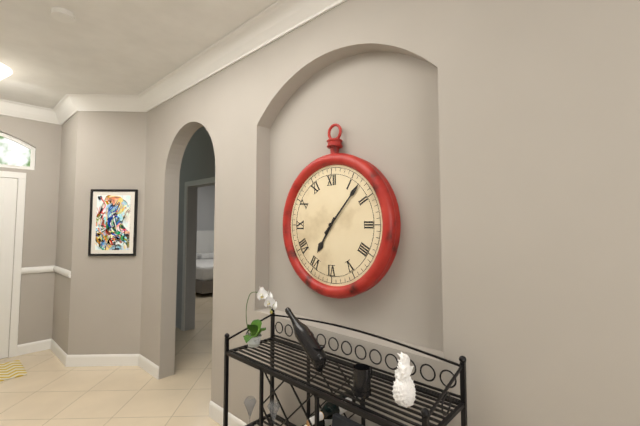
7.07
